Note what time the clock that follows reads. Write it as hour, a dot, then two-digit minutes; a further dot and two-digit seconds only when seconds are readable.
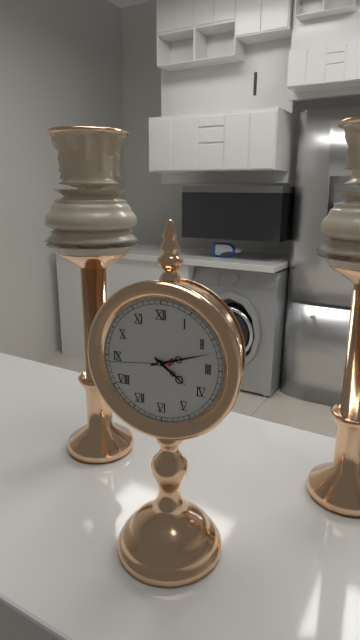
4.12.44
